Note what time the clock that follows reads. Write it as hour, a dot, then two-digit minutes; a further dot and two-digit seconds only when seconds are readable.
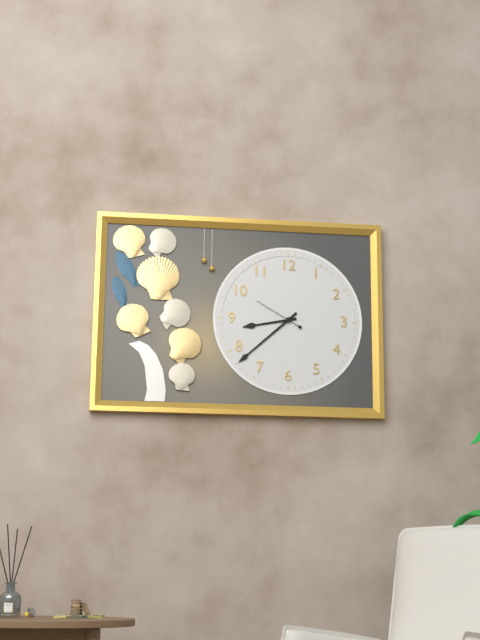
8.38
